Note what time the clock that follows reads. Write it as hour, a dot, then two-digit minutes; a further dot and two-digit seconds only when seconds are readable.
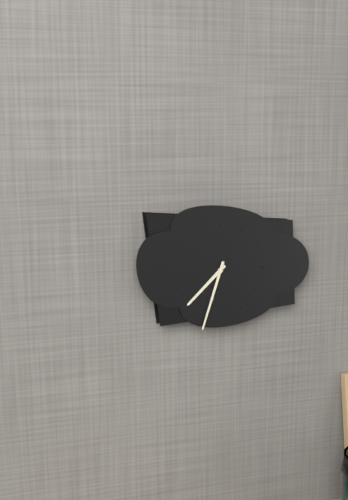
7.33
